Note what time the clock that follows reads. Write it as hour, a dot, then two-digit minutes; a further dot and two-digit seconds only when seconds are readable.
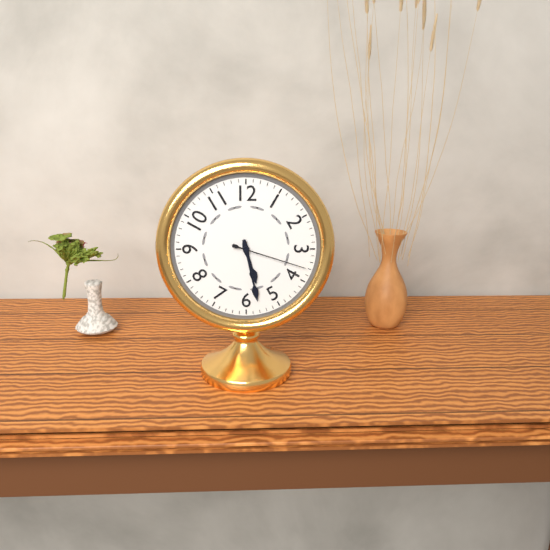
5.28.18
